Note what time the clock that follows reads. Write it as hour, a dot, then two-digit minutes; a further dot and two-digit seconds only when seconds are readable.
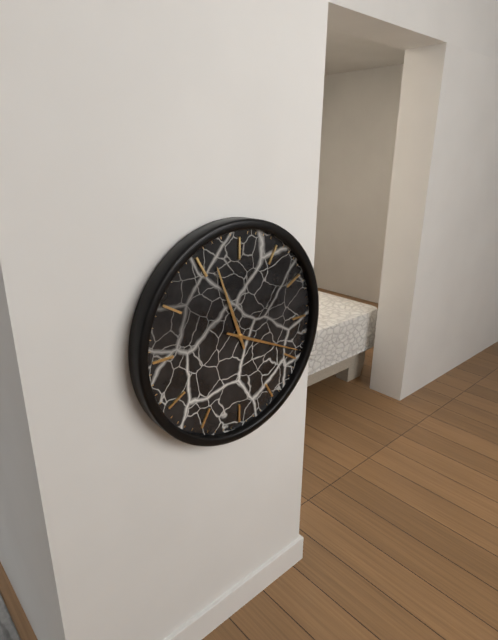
11.19
